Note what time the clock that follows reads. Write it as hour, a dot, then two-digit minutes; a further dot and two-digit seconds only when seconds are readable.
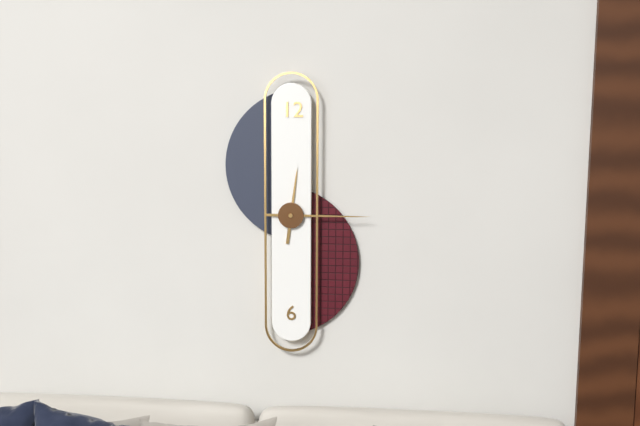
12.15
